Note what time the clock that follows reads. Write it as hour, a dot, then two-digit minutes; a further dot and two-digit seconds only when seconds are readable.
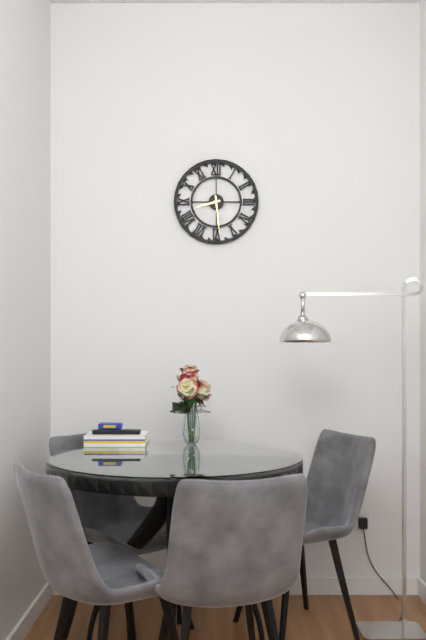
8.29
